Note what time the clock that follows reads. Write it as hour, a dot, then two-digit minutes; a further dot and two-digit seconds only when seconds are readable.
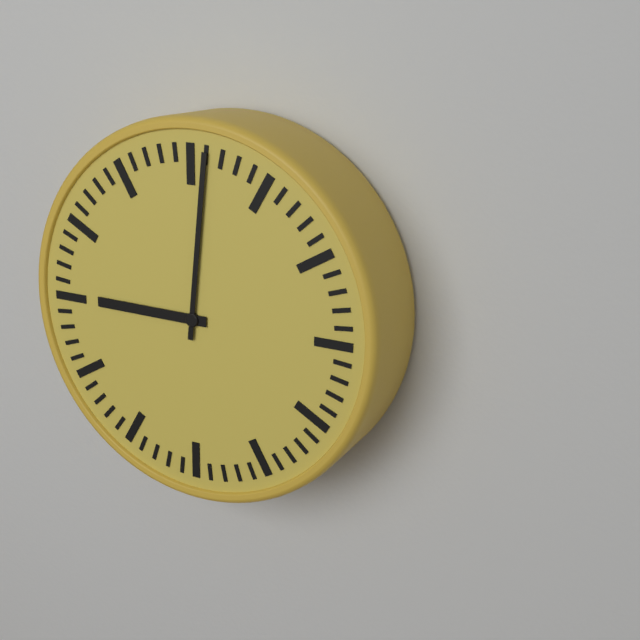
9.01
